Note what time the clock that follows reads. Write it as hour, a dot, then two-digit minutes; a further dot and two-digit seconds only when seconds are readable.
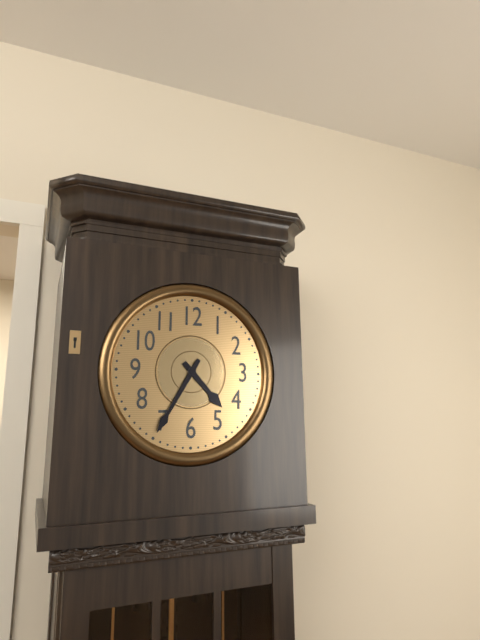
4.35
